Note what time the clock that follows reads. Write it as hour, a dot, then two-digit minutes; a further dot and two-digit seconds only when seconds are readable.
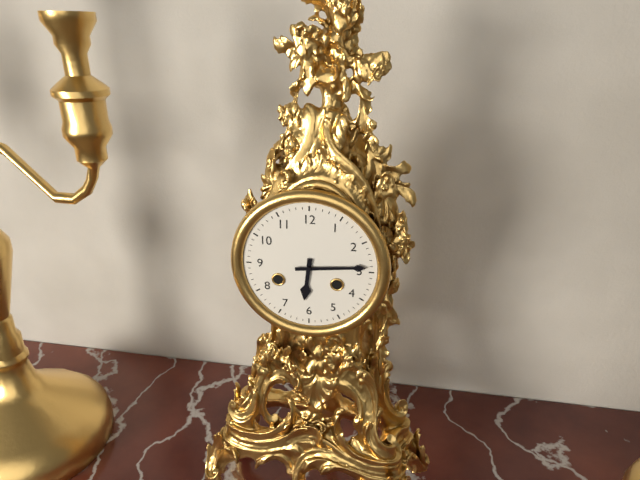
6.14
